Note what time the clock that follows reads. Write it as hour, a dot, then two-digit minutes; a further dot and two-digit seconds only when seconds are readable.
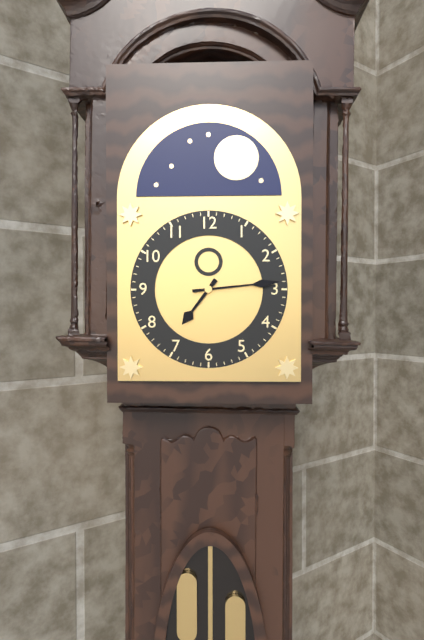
7.14
